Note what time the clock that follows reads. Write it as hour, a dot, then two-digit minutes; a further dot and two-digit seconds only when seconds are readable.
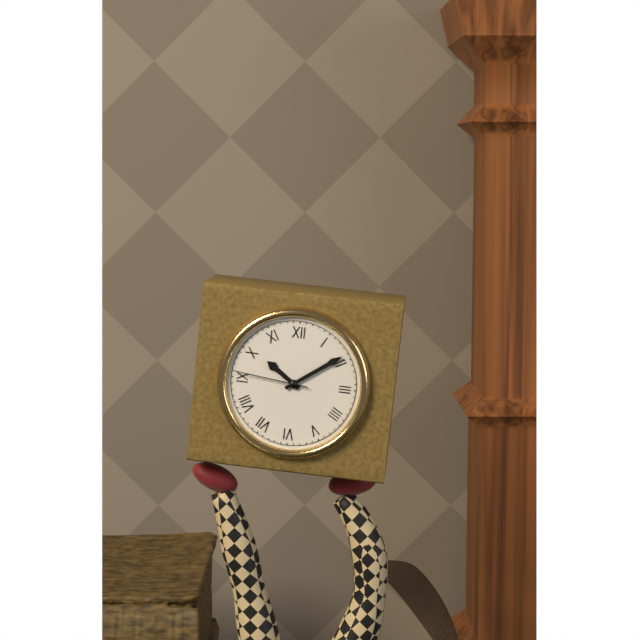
10.09.46
